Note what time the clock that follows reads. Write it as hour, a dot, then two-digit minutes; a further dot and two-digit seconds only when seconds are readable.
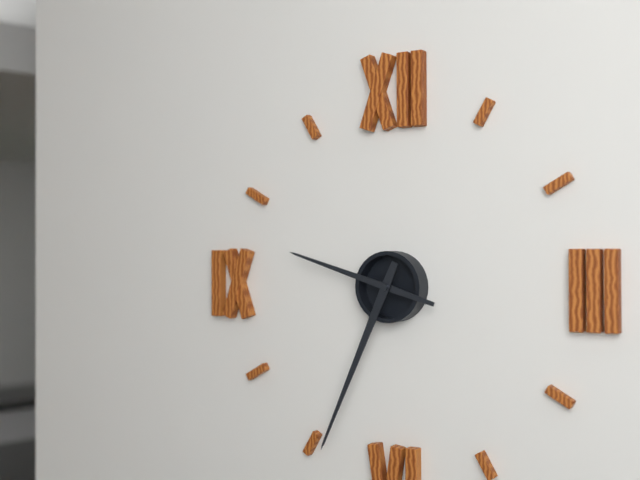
9.34
